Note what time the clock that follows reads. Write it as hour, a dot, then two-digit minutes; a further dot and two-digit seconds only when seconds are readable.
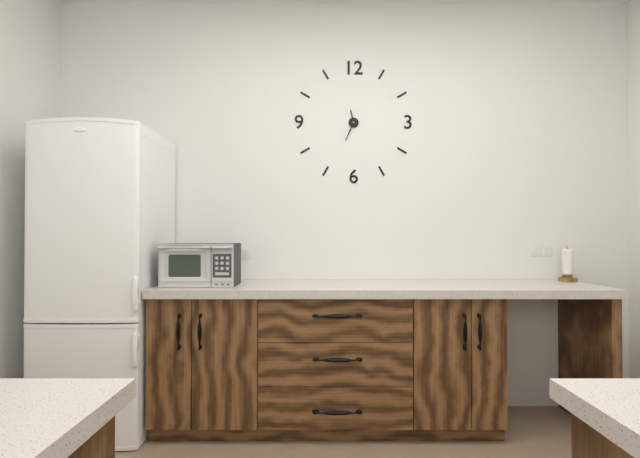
11.34
